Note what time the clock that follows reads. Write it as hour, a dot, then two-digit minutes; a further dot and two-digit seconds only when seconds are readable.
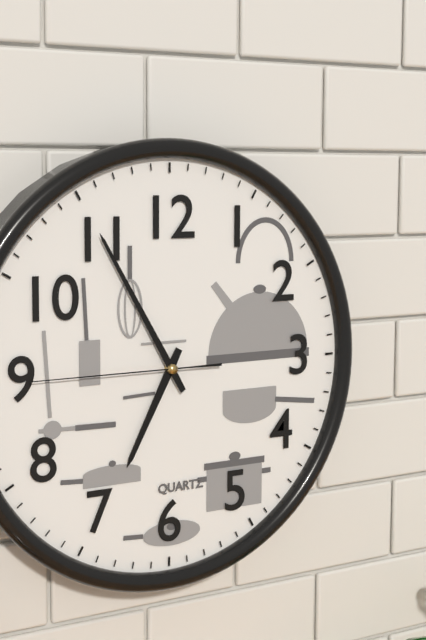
6.55.45
